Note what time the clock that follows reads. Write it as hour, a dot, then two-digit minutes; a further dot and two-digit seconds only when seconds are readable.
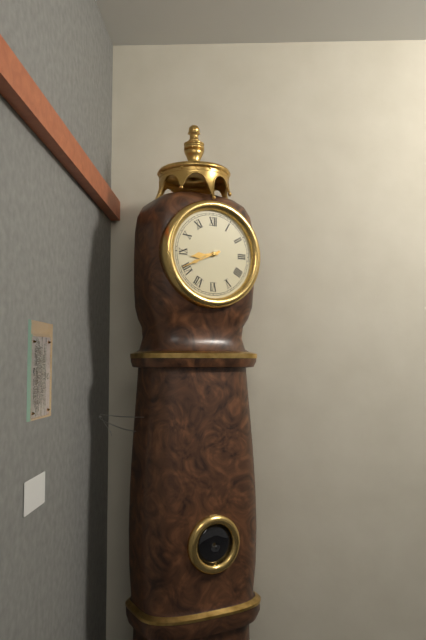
8.41
